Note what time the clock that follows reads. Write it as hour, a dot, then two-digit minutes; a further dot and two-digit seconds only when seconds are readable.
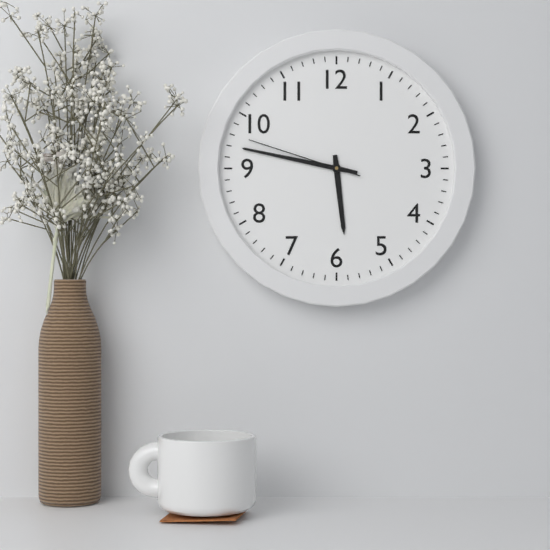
5.47.48
